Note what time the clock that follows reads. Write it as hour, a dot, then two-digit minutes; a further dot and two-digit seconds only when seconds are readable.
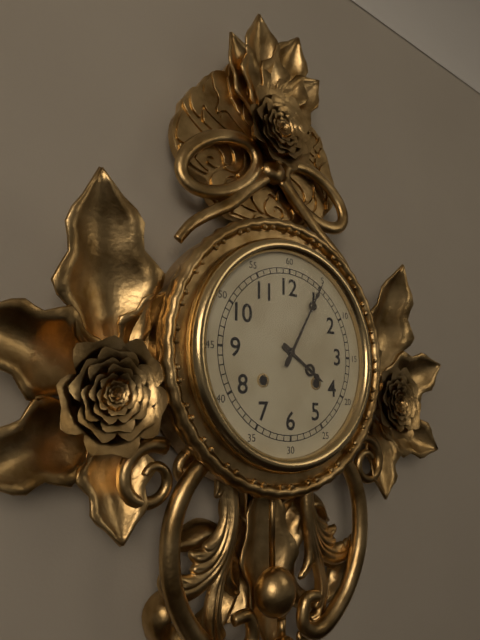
4.05
